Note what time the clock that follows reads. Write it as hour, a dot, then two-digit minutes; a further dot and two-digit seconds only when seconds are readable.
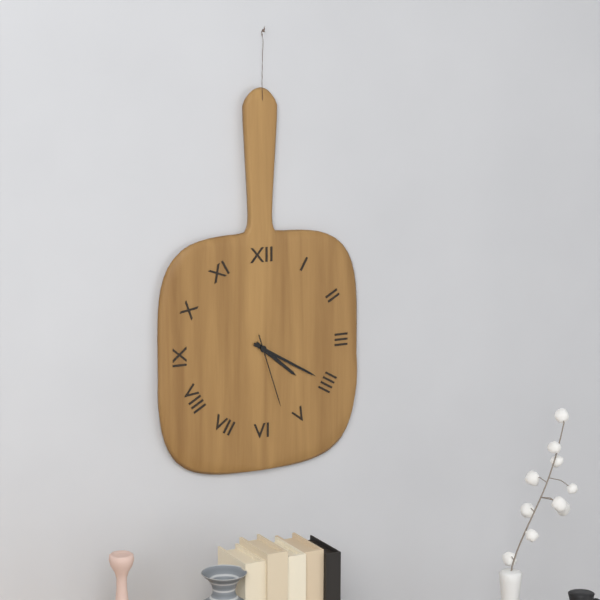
4.20.27
